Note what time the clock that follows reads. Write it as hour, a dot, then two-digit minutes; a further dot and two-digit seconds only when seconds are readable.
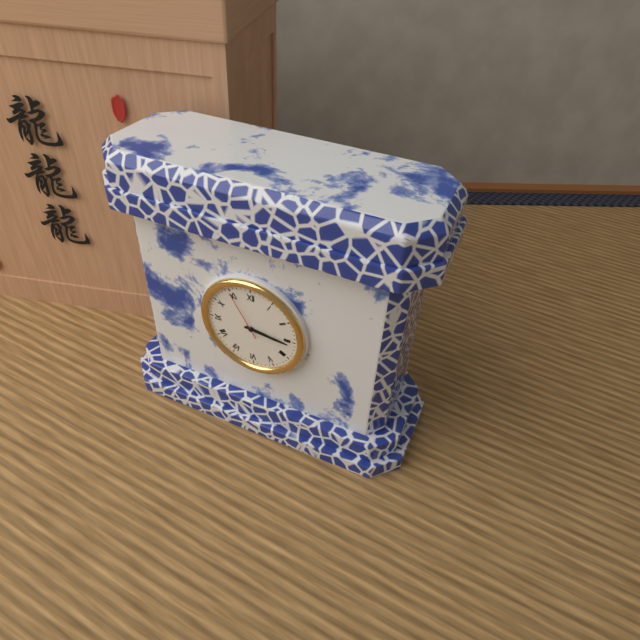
3.16.55
